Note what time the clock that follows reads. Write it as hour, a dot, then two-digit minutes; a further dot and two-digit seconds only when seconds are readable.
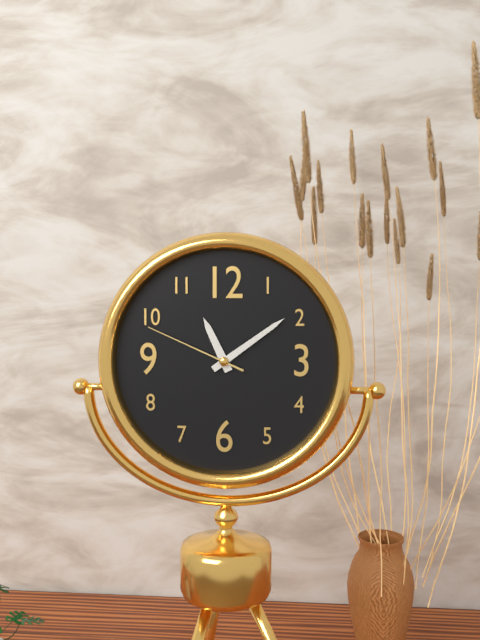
11.09.49
